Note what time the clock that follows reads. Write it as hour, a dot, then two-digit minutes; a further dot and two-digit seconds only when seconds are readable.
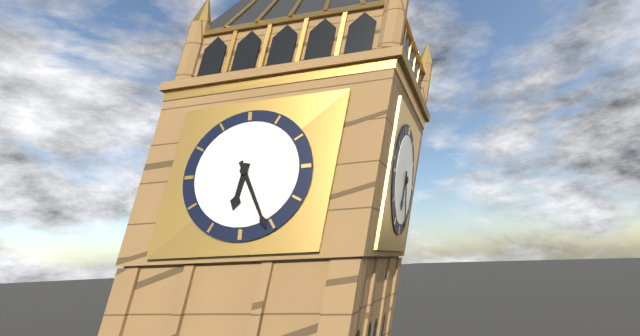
6.26
